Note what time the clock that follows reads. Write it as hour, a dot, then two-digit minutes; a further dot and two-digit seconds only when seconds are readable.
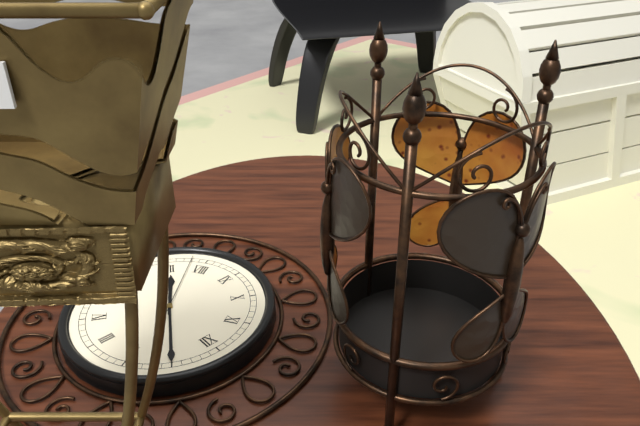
7.05.38
